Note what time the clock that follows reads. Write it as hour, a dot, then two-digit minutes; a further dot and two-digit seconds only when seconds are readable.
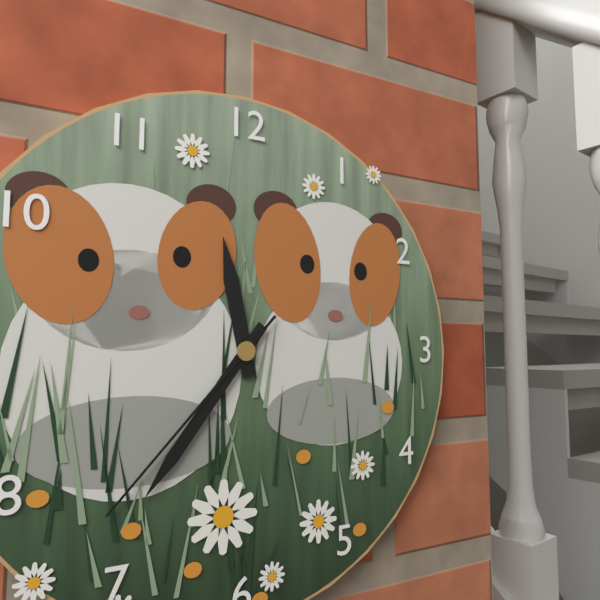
11.36.37
